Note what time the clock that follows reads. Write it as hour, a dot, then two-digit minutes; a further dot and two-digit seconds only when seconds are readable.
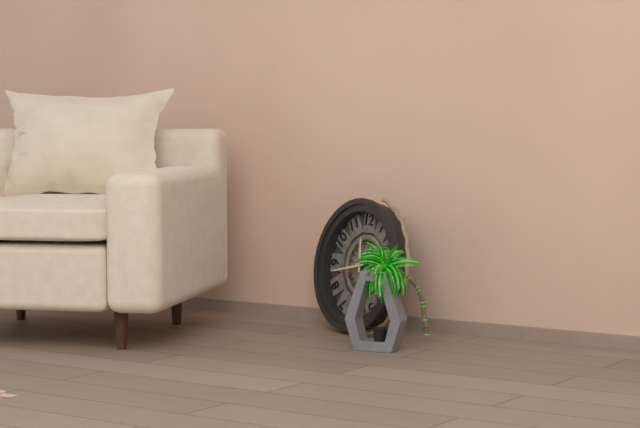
11.43
